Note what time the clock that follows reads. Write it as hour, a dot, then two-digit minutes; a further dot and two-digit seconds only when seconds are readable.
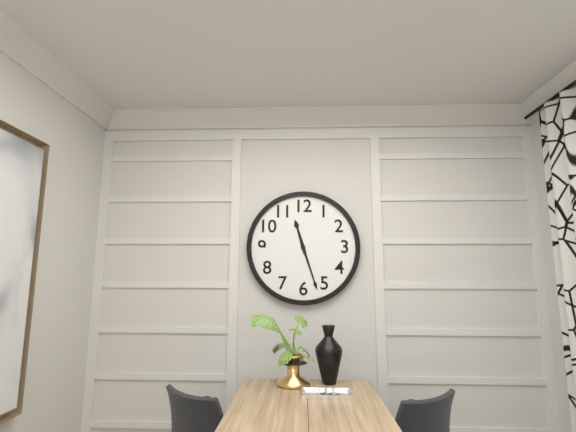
11.27
